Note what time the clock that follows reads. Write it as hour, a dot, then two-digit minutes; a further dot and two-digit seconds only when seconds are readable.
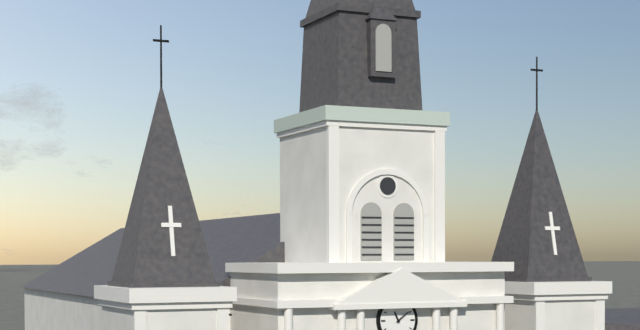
11.09
